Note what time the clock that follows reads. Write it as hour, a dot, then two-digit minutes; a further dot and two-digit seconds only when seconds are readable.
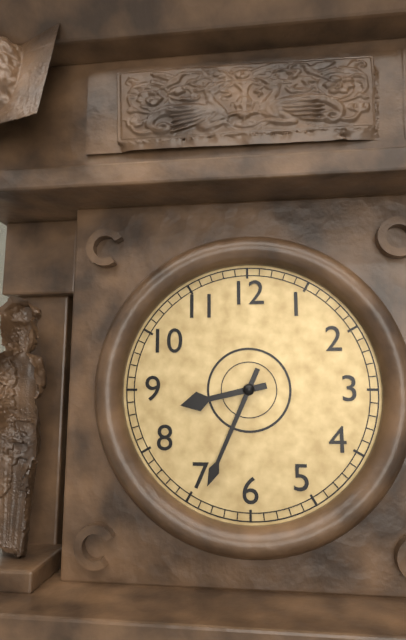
8.34
